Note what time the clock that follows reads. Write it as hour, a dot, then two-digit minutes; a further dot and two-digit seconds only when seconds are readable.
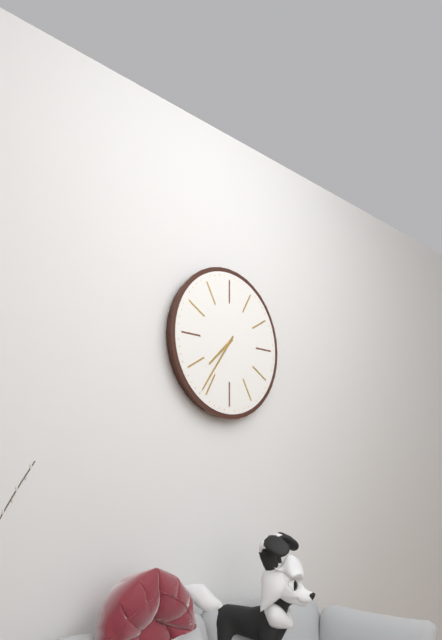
7.36
